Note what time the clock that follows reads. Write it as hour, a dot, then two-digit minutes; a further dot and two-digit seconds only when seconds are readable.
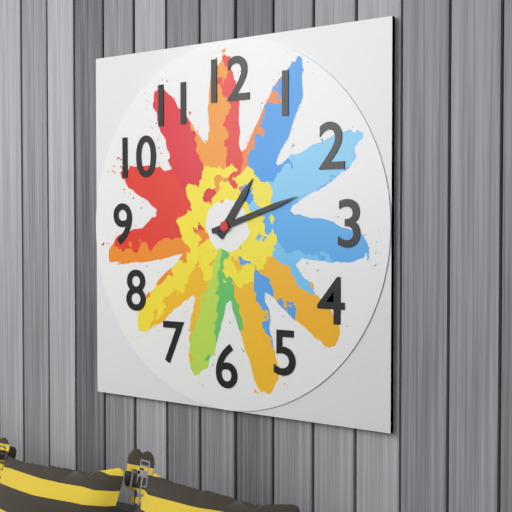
1.12
